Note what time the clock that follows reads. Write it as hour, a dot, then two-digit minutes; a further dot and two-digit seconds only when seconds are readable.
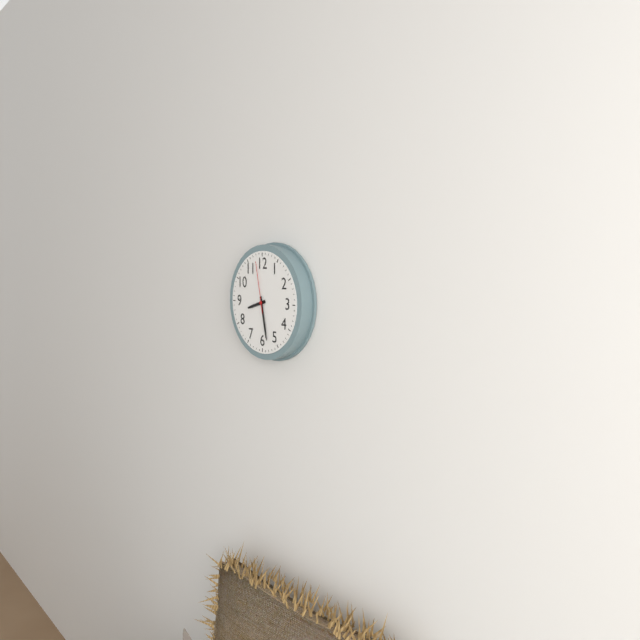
8.28.58
